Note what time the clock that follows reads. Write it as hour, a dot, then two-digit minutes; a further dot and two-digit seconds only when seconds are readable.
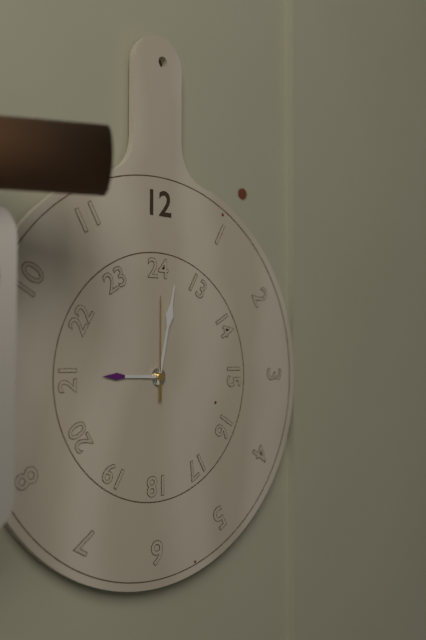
9.02.00
